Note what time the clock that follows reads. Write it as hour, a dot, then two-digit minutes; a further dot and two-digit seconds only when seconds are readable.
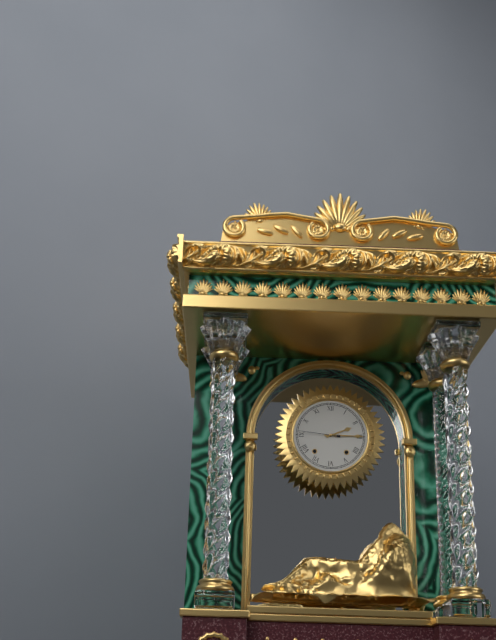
2.15
